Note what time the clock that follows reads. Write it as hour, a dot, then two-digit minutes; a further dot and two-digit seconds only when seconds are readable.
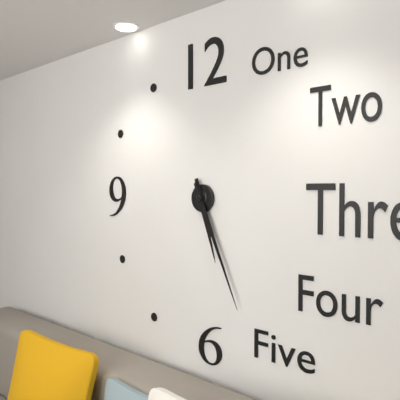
5.26
